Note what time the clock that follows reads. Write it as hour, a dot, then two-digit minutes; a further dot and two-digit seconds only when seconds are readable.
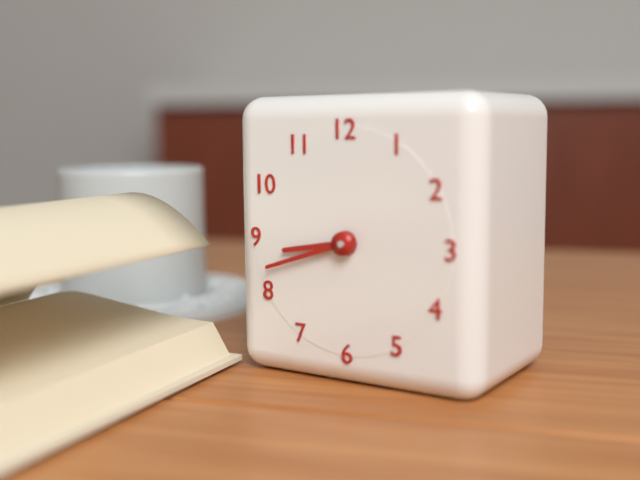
8.42
